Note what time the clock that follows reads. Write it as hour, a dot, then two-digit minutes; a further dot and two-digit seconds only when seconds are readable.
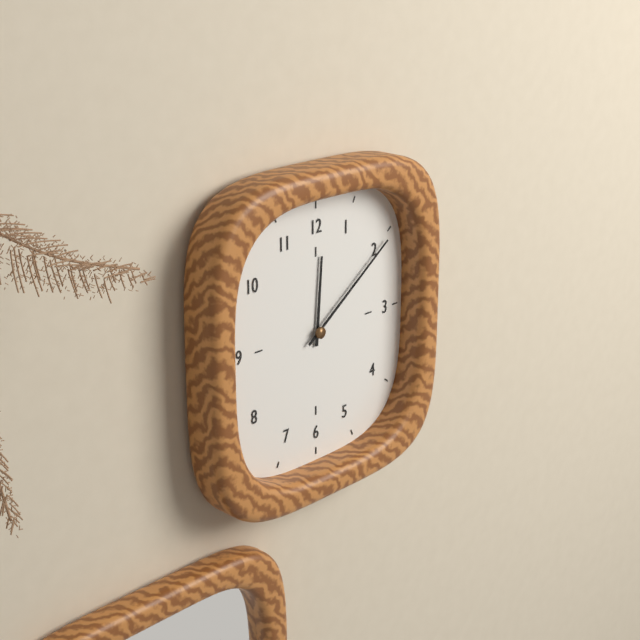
12.09
